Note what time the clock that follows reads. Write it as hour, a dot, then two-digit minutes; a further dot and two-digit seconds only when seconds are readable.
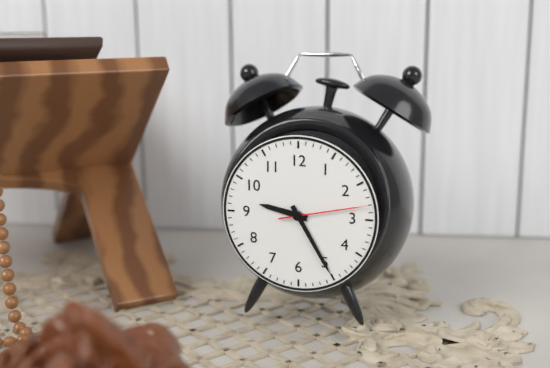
9.25.13
